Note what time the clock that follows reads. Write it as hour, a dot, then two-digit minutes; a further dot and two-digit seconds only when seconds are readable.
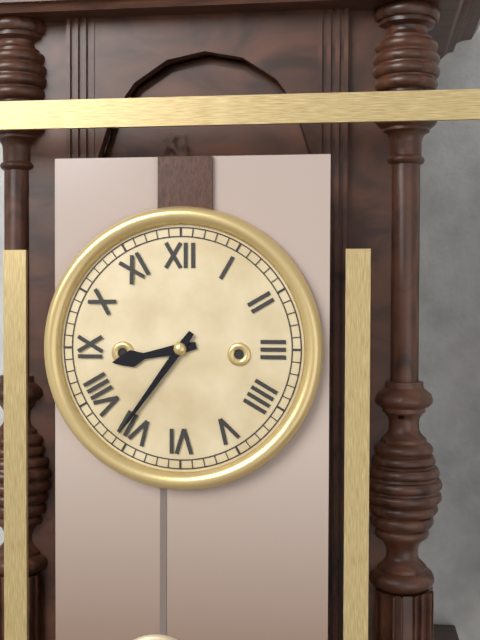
8.36
